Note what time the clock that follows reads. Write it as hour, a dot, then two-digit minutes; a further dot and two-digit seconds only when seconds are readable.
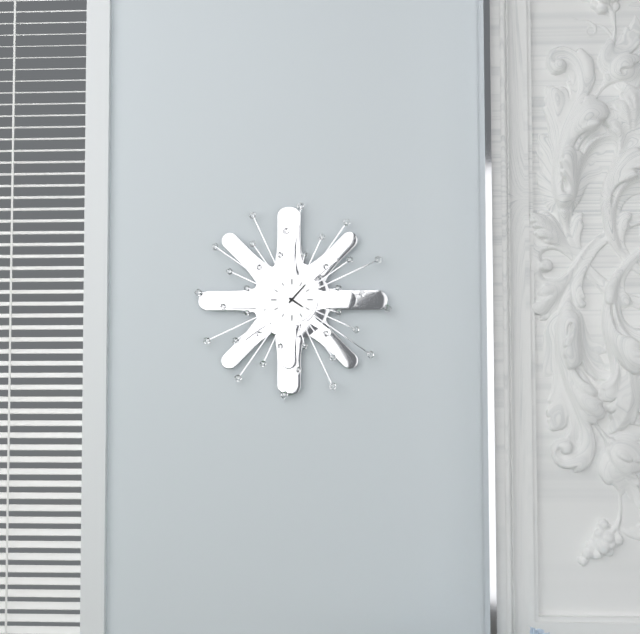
4.07
